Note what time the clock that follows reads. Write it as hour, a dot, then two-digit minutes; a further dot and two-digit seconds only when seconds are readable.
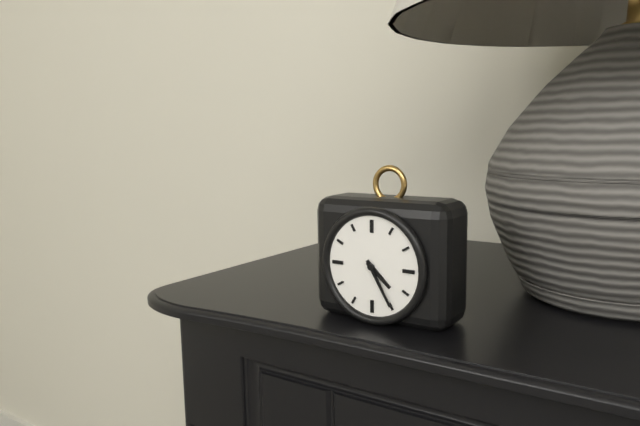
4.25
